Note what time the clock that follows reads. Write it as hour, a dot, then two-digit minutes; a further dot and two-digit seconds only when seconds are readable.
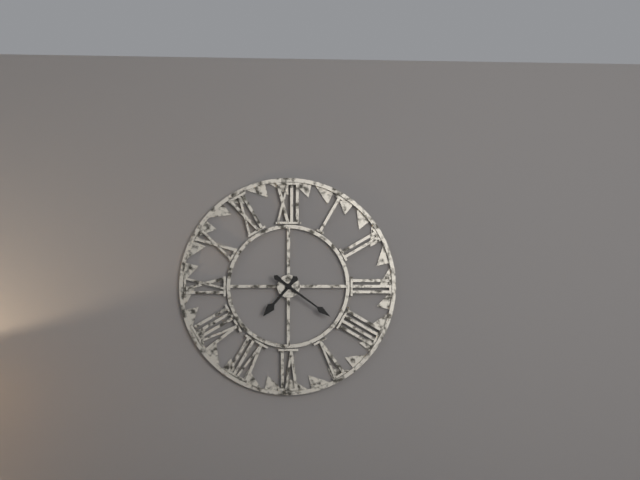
7.21
